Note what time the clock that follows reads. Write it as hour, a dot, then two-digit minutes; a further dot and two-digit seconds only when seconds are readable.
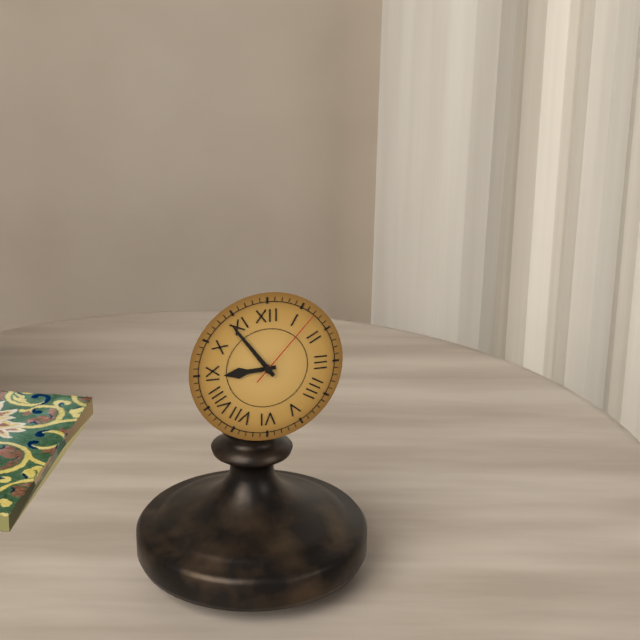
8.54.07
